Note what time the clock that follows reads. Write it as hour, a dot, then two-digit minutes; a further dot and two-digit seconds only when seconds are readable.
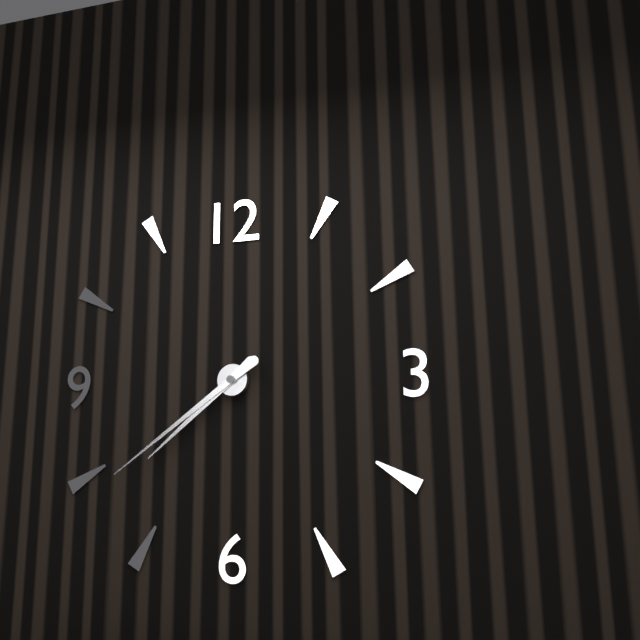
7.39
